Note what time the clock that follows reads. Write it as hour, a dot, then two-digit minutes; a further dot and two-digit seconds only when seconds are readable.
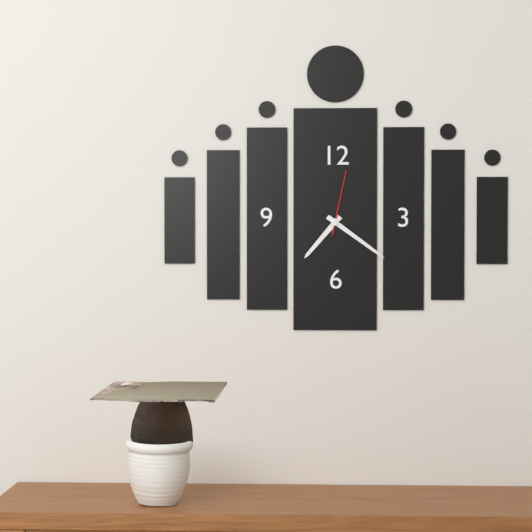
7.21.02
